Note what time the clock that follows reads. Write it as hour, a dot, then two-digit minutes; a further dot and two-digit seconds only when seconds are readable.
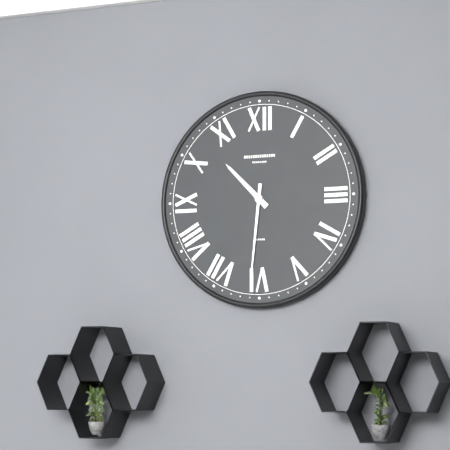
10.31
